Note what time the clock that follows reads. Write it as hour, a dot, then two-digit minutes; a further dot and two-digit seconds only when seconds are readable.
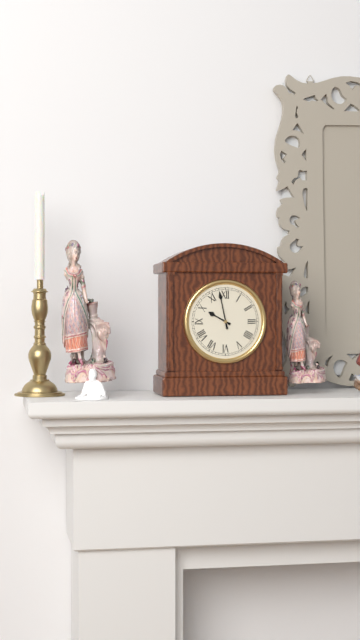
9.58
